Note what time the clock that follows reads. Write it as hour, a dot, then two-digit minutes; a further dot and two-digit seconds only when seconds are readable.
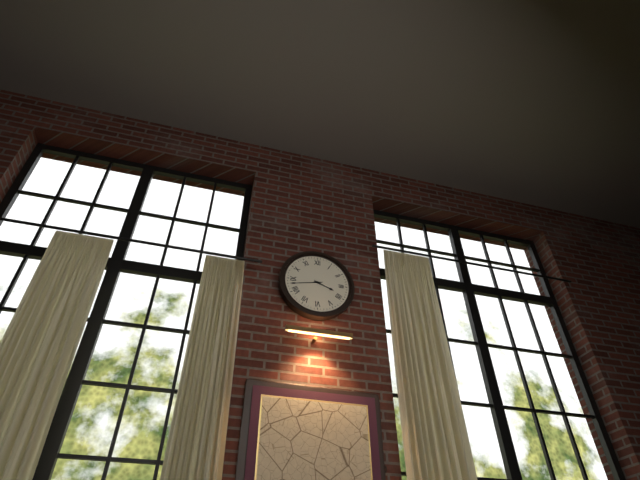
3.43
